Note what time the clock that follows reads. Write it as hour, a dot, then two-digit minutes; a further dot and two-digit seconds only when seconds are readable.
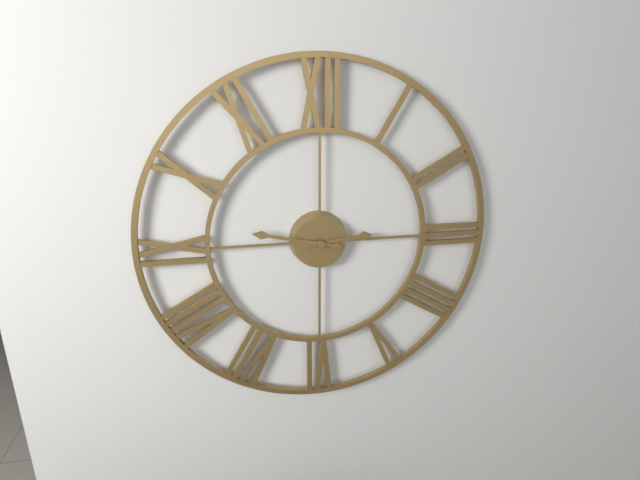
2.47
